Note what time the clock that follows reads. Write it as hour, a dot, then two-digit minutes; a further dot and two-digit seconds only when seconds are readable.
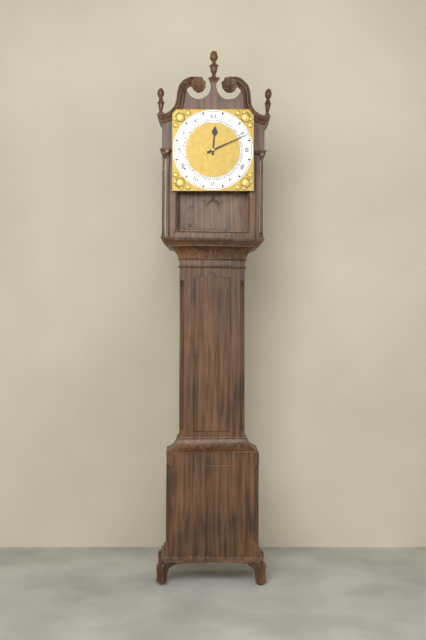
12.11
